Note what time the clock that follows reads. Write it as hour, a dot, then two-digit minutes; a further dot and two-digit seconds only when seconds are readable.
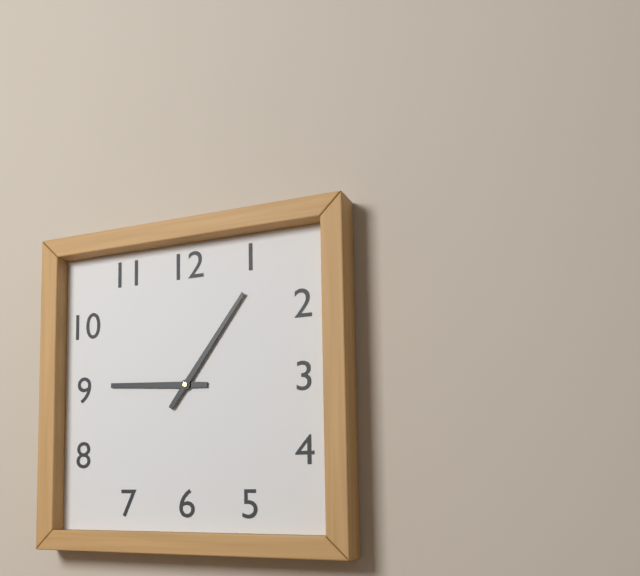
9.06
